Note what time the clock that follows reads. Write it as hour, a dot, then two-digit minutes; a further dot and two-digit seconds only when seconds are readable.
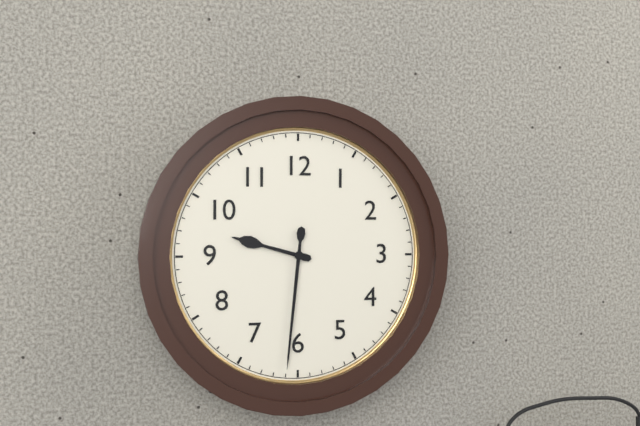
9.31
